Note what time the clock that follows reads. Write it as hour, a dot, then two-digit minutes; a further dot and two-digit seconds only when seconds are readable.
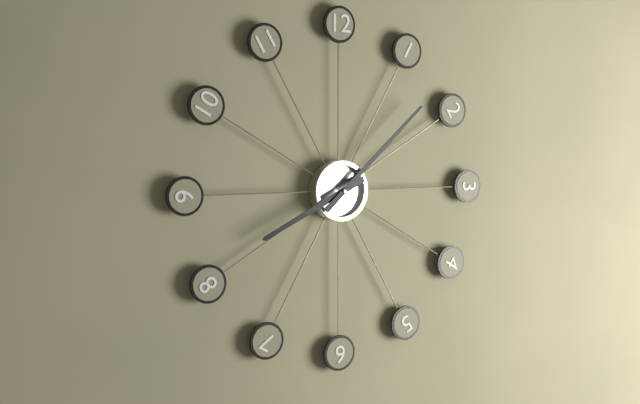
8.08
